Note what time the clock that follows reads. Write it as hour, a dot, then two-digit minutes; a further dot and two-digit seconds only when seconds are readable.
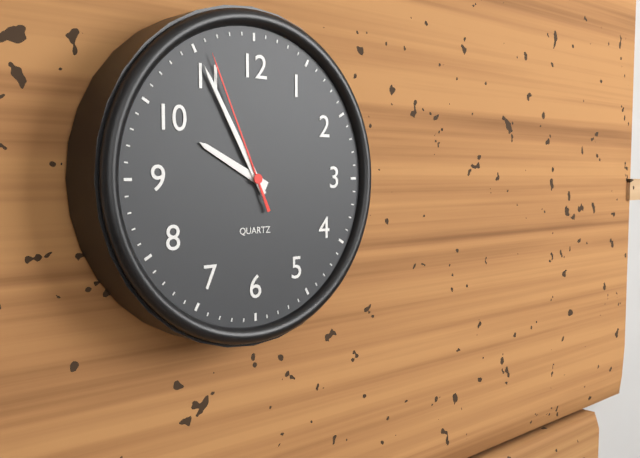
9.55.56
